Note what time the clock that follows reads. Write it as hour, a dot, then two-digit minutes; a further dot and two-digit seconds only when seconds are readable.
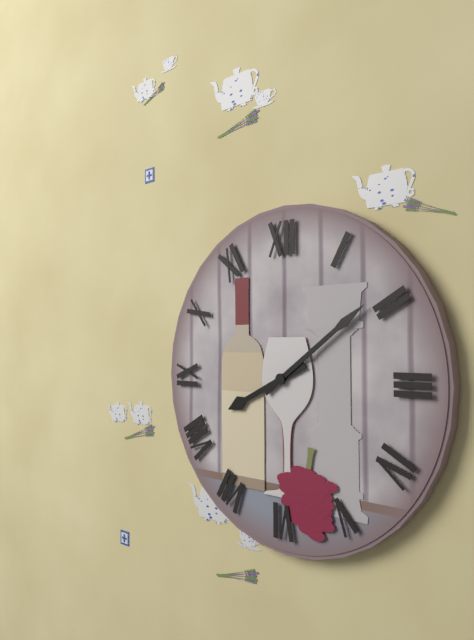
8.09
